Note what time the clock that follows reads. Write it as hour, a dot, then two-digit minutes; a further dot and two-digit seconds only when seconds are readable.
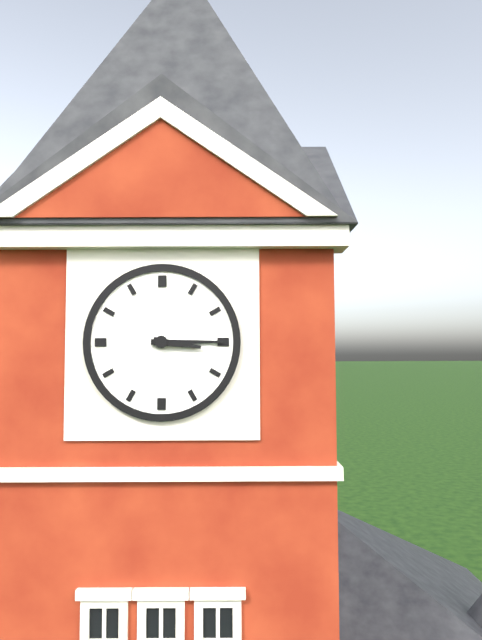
3.15
